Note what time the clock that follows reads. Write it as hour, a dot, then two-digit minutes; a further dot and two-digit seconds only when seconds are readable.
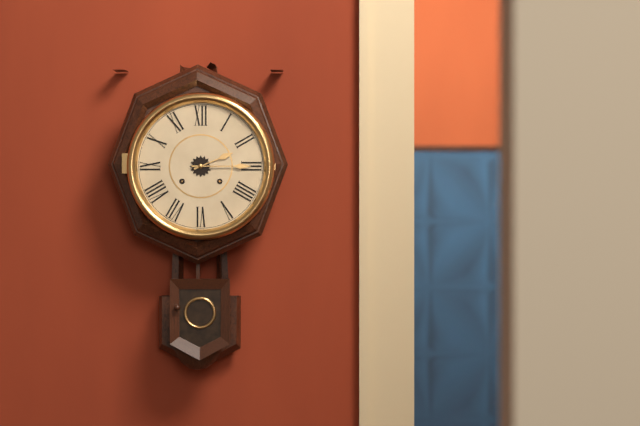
2.15
